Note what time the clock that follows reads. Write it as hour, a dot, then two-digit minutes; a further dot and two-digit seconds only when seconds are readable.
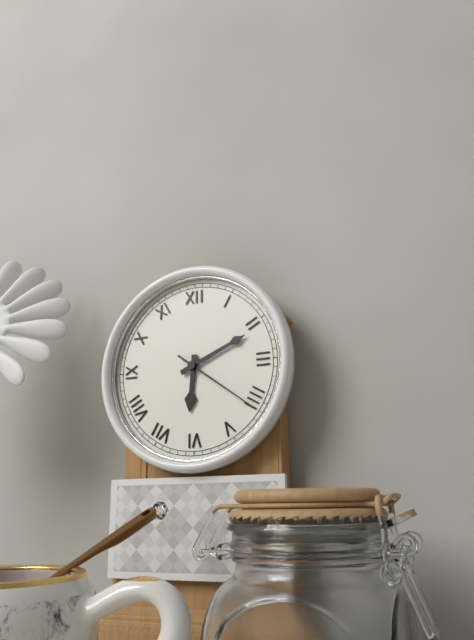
6.11.21
